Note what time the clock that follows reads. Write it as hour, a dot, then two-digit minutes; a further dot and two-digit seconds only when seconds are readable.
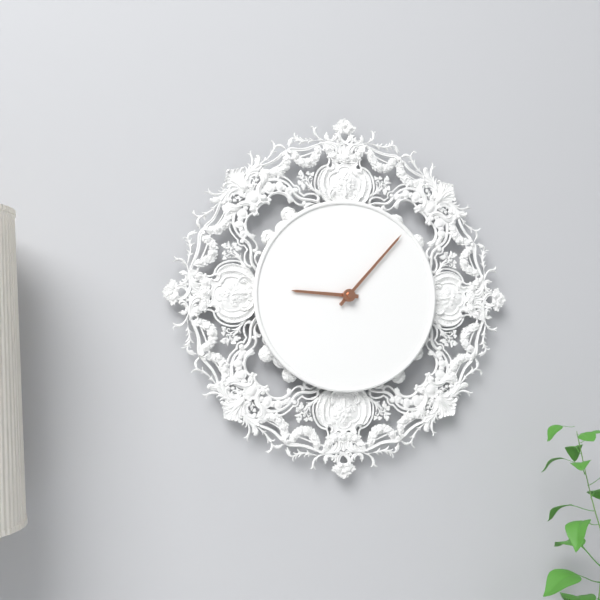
9.07
